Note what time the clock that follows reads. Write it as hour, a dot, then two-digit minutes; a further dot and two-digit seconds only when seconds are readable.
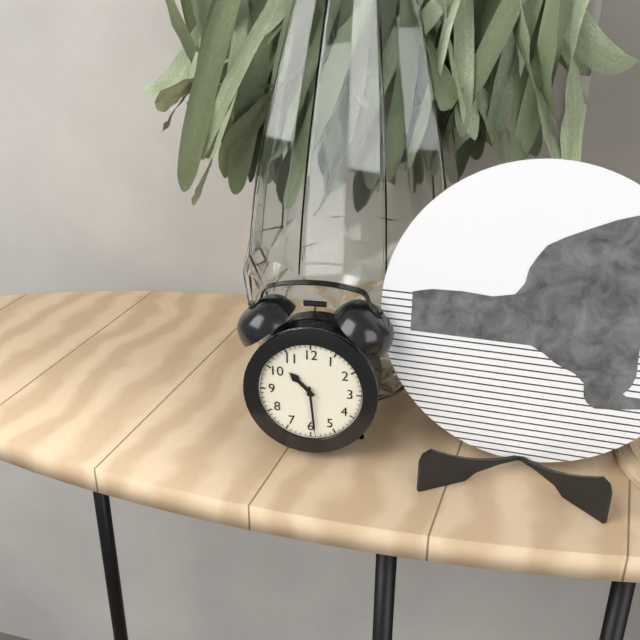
10.29
